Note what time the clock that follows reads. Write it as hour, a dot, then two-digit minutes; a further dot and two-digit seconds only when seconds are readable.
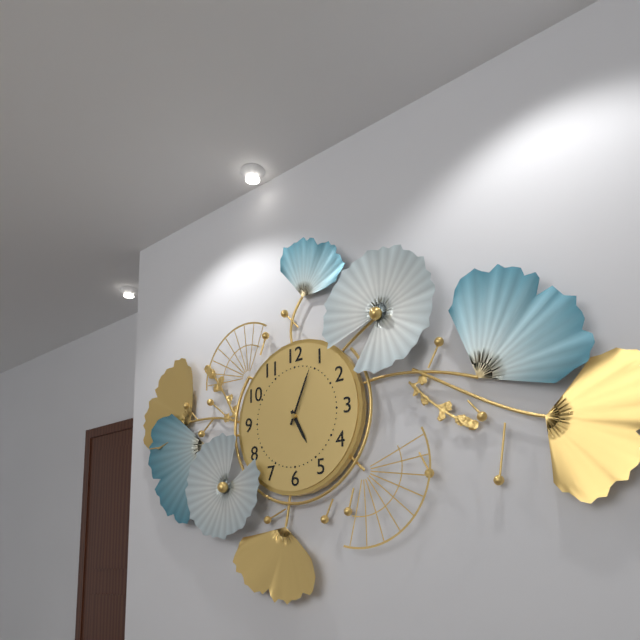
5.04
